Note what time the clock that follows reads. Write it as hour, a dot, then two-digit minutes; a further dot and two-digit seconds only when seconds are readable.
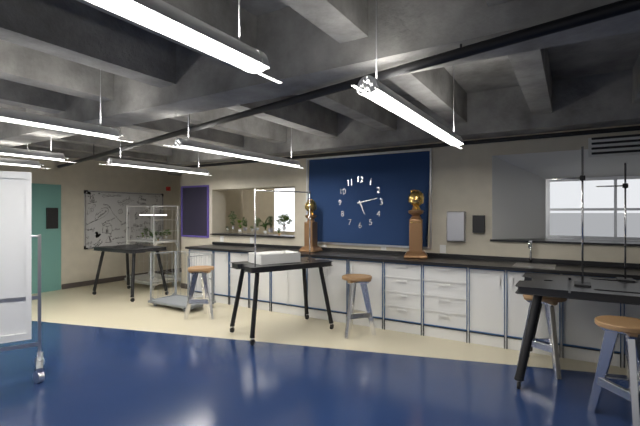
5.13
